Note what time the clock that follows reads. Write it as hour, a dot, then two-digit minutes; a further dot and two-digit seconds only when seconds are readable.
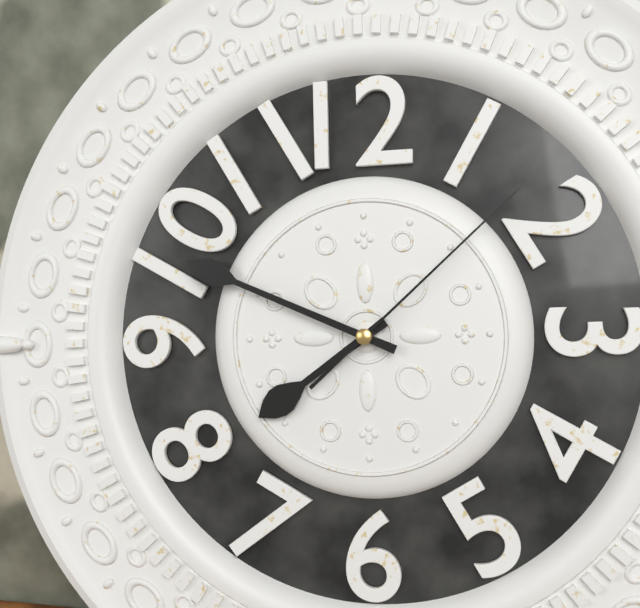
7.49.08
